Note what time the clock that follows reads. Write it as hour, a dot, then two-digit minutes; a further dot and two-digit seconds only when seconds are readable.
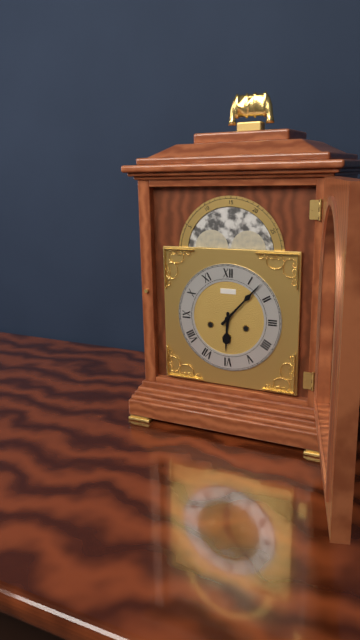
6.07
